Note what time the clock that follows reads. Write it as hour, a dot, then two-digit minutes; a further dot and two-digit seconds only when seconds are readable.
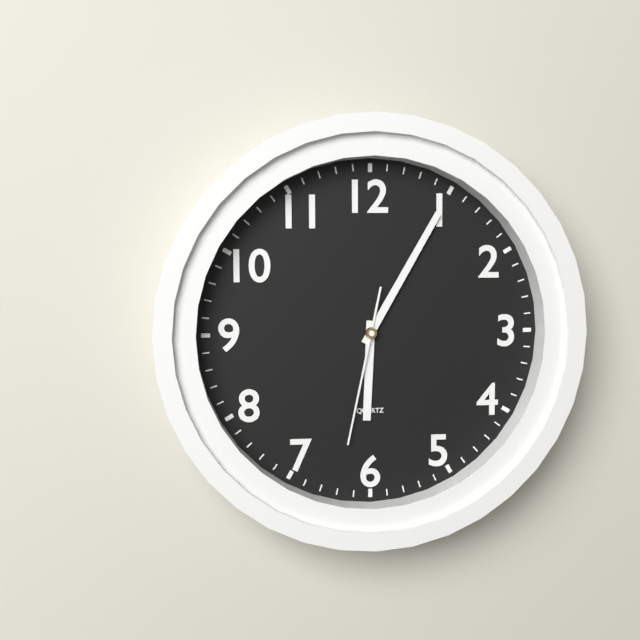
6.05.32
